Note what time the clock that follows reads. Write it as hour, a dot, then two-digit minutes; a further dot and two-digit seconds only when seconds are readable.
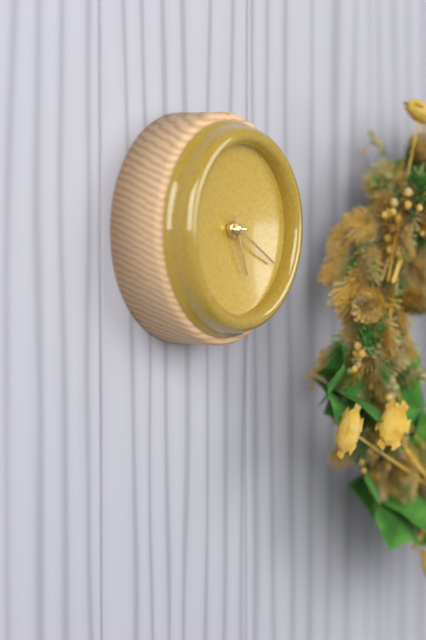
5.20
